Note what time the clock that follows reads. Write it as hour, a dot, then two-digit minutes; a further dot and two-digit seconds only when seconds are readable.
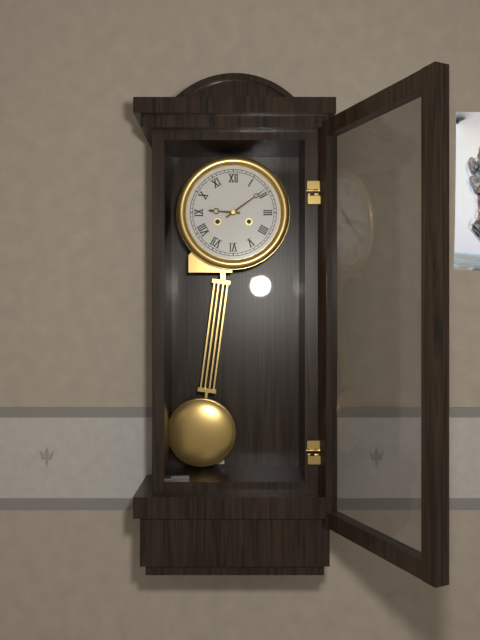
9.09
